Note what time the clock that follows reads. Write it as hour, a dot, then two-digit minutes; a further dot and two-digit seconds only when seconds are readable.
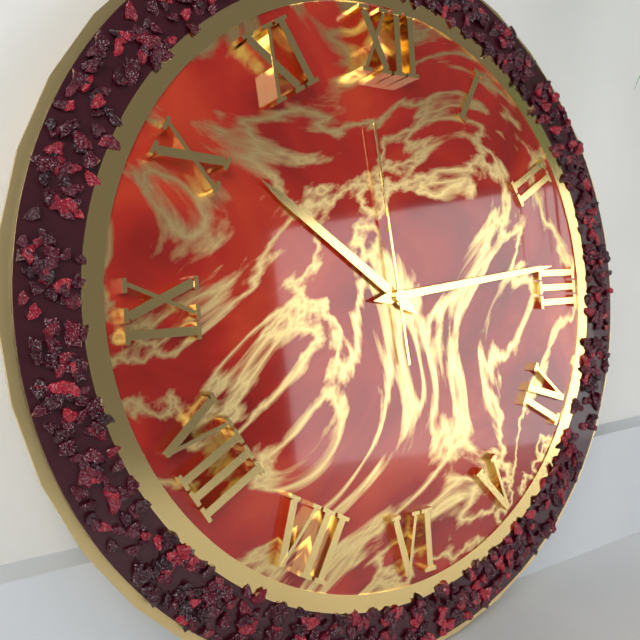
10.14.59
